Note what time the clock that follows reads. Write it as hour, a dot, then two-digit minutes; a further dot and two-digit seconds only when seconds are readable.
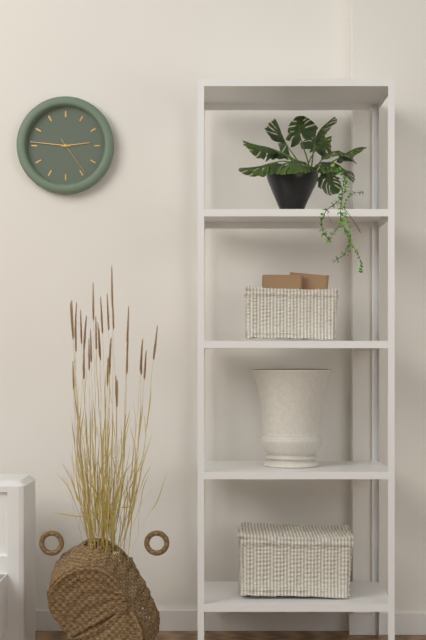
2.46
